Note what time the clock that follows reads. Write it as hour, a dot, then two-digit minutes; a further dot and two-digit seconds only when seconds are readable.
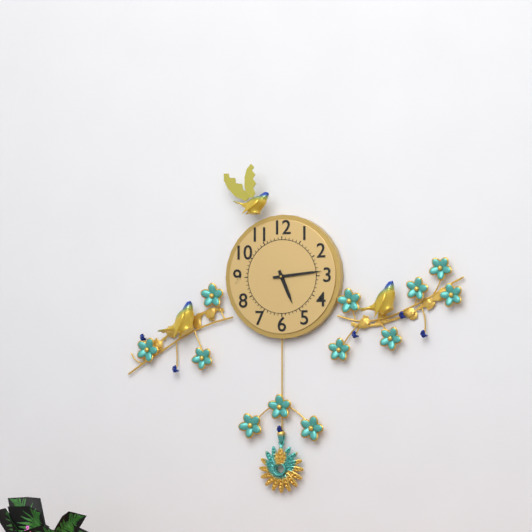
5.14
